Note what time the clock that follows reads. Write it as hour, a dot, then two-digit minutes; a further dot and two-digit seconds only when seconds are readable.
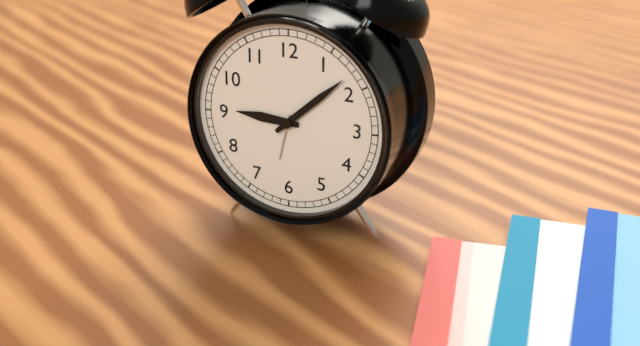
9.08
